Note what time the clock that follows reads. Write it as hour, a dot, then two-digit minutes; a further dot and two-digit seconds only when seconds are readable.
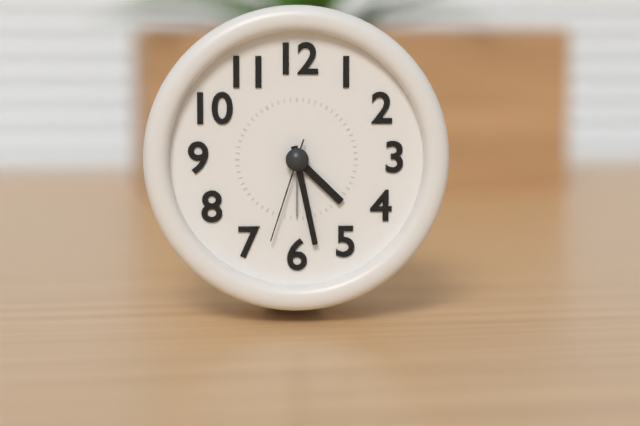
4.28.33
